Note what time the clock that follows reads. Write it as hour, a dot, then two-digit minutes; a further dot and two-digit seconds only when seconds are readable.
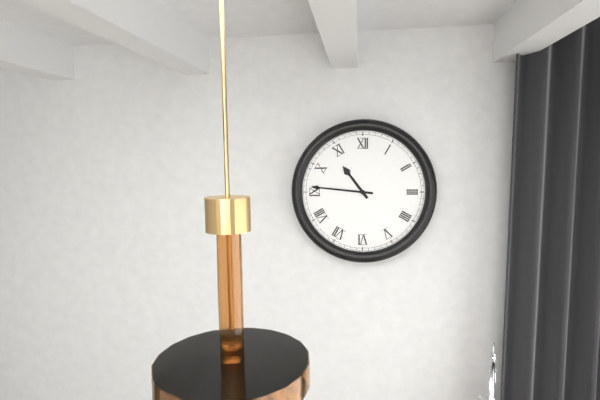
10.46
